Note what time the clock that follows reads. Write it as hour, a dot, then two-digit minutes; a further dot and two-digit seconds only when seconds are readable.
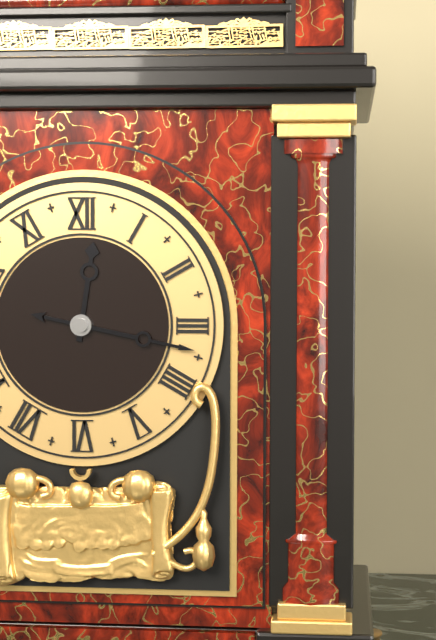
12.17
